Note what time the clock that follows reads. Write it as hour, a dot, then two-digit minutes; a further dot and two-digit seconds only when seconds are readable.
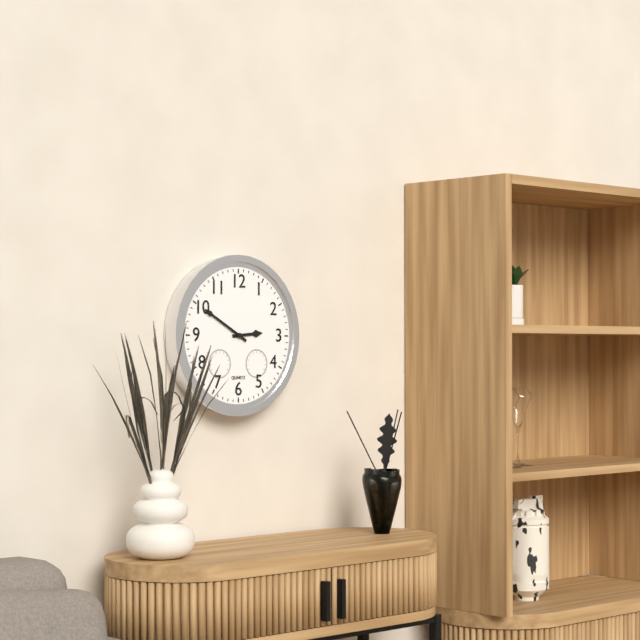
2.50
